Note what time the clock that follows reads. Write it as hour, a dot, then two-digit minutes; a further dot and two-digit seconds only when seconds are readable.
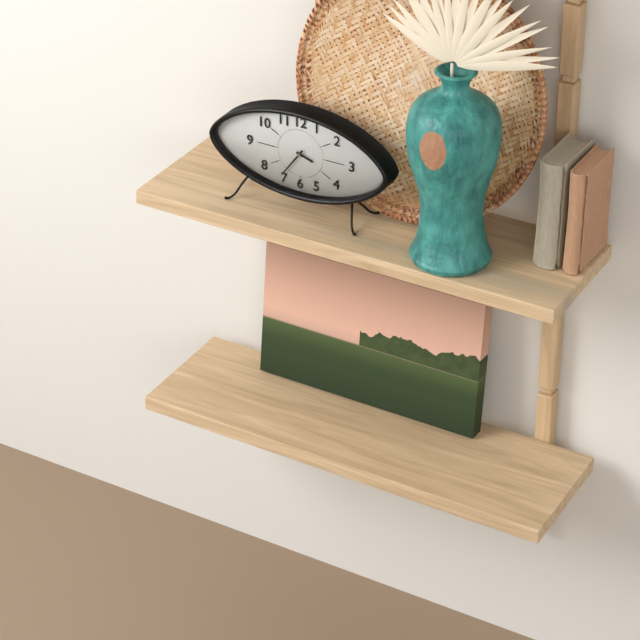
3.36
